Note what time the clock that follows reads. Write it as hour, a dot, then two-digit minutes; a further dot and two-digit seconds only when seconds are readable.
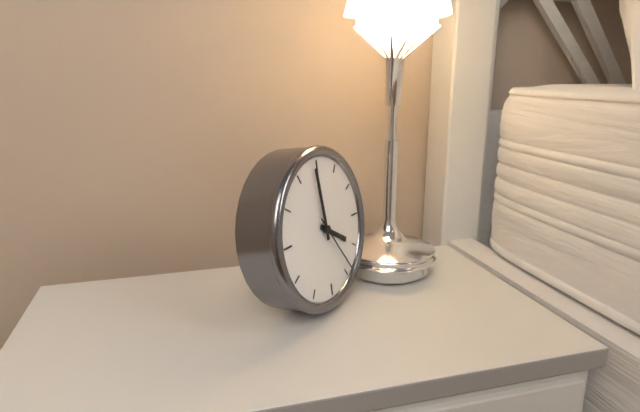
3.59.24
